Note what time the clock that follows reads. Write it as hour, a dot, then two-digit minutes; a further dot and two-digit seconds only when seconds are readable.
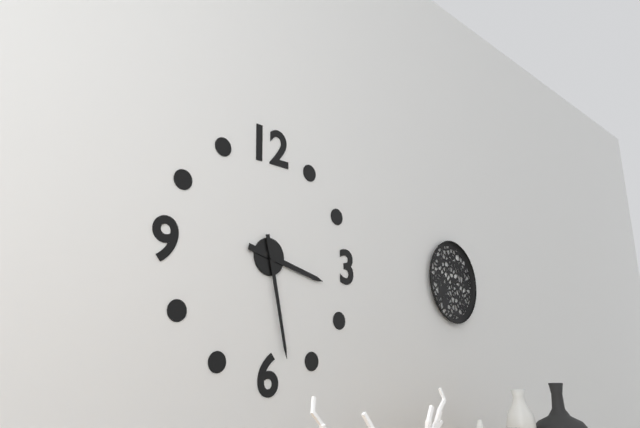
3.28
